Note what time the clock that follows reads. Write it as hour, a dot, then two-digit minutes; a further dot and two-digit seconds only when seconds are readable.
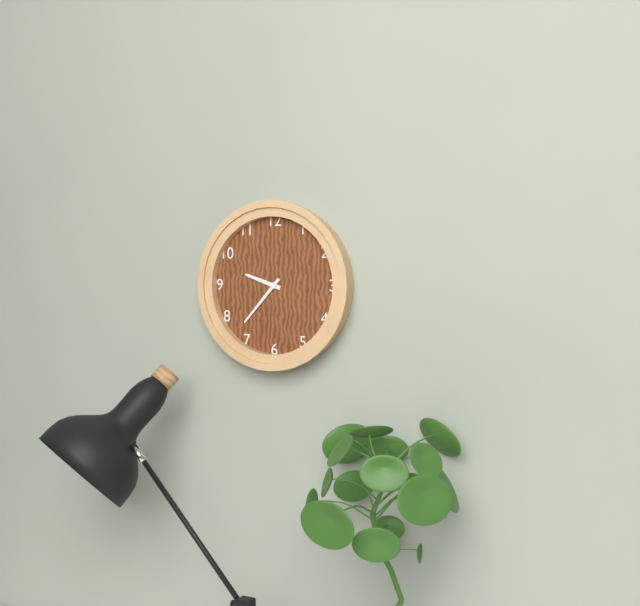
9.37
